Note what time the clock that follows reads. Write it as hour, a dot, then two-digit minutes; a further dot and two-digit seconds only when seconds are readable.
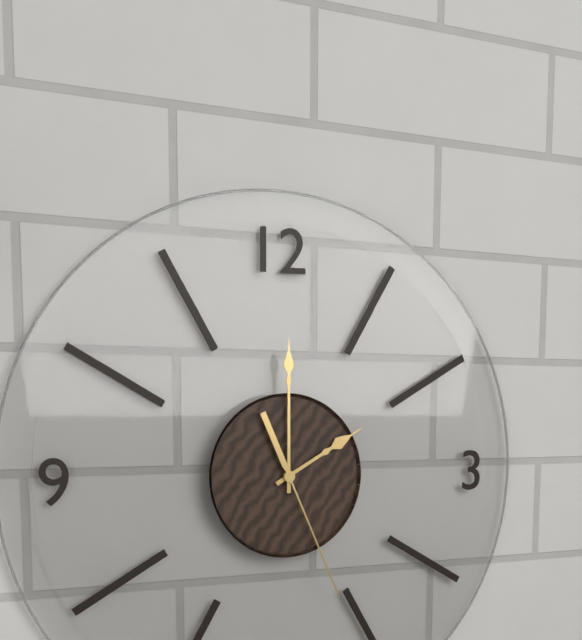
2.00.26
